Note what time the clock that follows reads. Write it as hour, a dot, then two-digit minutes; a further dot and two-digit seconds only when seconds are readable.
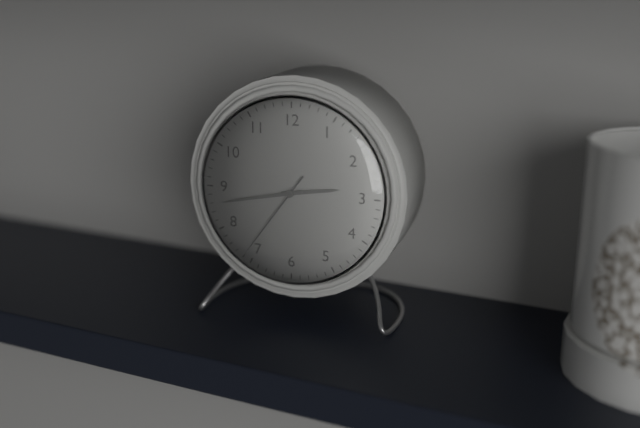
2.43.36
